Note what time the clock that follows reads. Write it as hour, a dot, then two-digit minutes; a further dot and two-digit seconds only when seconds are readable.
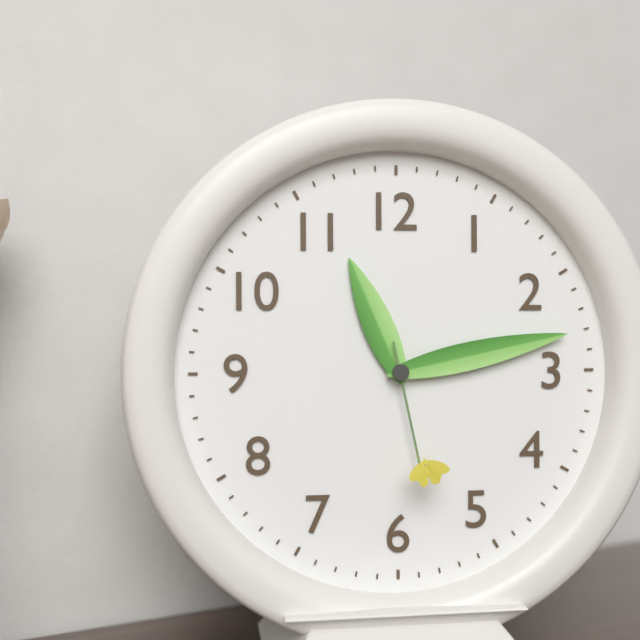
11.13.28
